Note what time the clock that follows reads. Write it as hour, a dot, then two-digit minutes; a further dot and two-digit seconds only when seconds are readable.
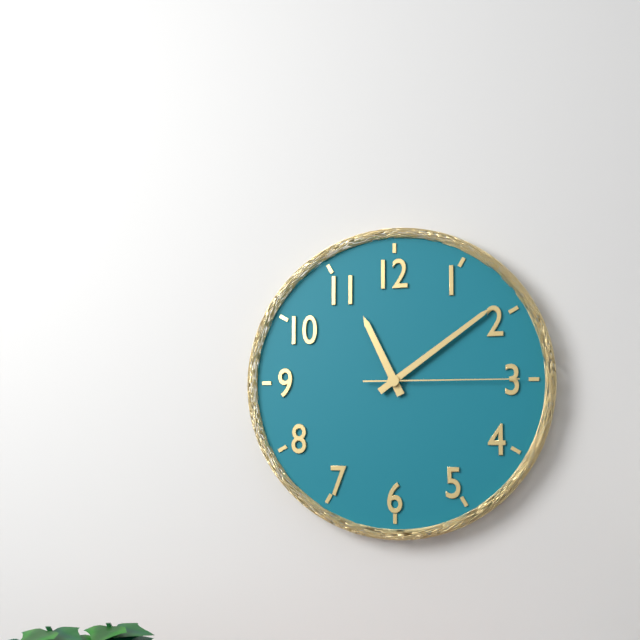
11.09.15
